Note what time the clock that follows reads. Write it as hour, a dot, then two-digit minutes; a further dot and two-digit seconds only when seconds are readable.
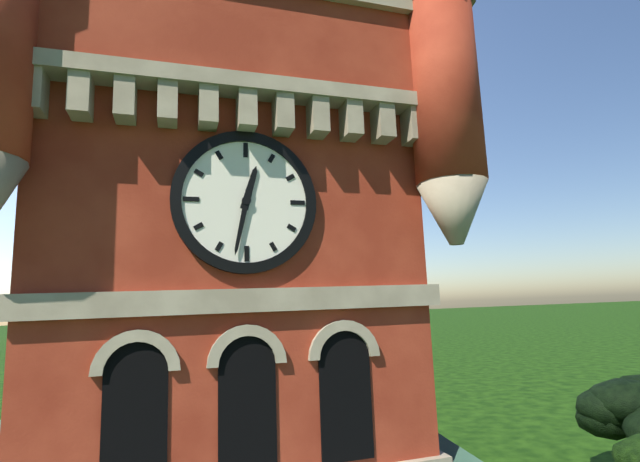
12.32
